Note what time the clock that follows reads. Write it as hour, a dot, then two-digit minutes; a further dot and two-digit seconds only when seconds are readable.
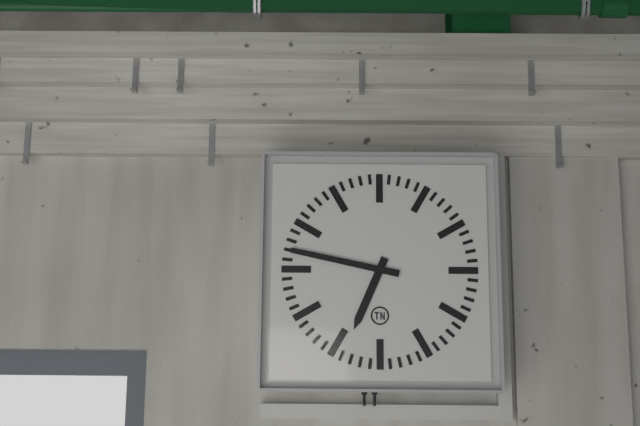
6.47
